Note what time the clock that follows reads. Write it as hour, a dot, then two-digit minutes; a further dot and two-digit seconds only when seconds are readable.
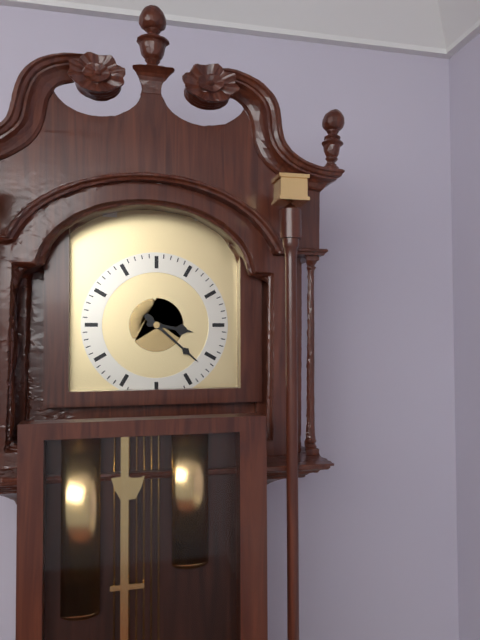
3.22
